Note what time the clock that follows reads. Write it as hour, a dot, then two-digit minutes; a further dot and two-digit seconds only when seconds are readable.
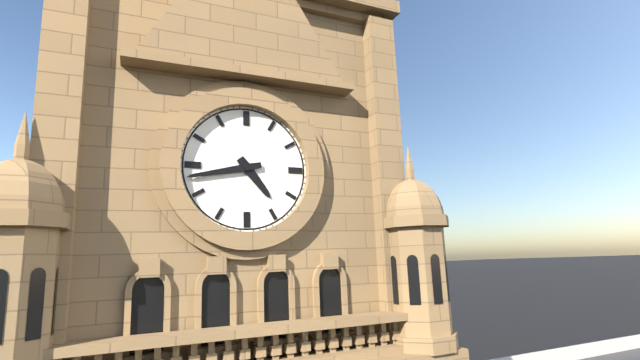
4.43
